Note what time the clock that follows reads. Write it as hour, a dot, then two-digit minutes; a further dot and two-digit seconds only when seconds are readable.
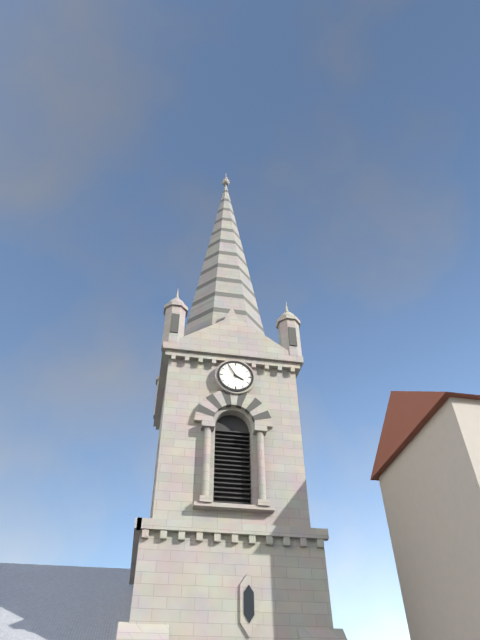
3.55
